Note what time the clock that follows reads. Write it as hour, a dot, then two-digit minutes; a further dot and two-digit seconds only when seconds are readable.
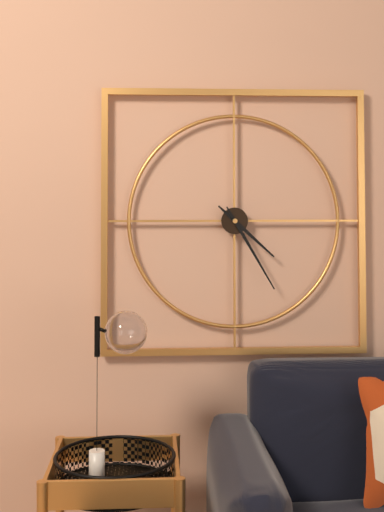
4.25
